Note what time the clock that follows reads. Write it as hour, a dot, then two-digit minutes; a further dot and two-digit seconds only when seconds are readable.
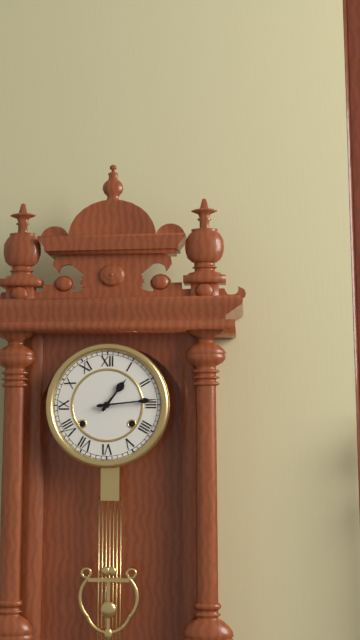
1.14
